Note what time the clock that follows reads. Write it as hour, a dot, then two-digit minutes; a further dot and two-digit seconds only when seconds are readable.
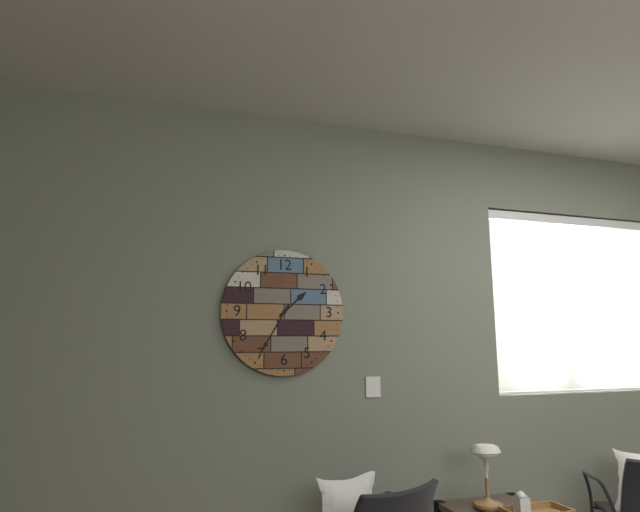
1.35
